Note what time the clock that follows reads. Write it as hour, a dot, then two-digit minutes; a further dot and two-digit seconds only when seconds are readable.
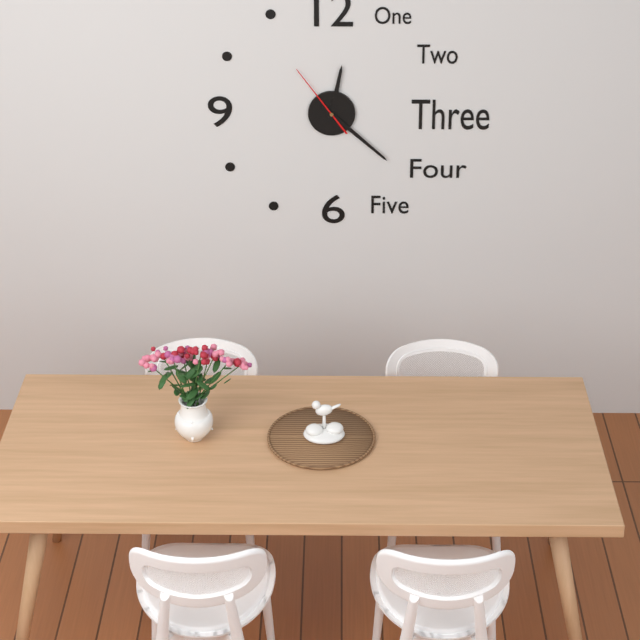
12.22.54
